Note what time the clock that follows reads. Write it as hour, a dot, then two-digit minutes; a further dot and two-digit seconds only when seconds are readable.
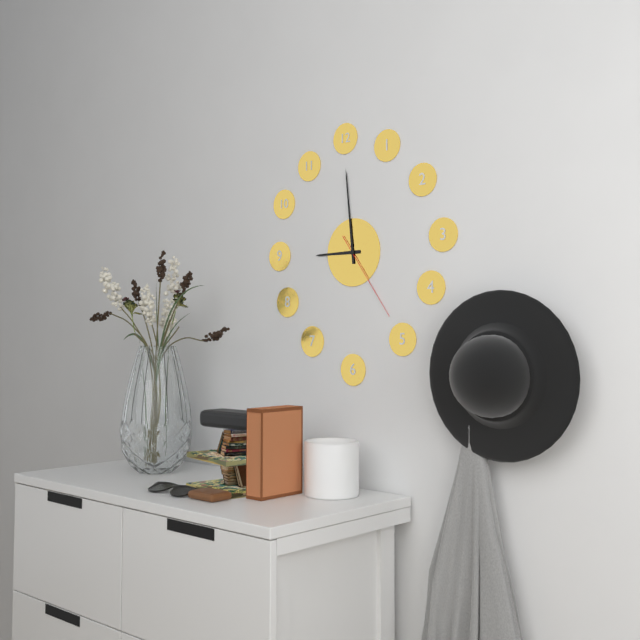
8.59.24
